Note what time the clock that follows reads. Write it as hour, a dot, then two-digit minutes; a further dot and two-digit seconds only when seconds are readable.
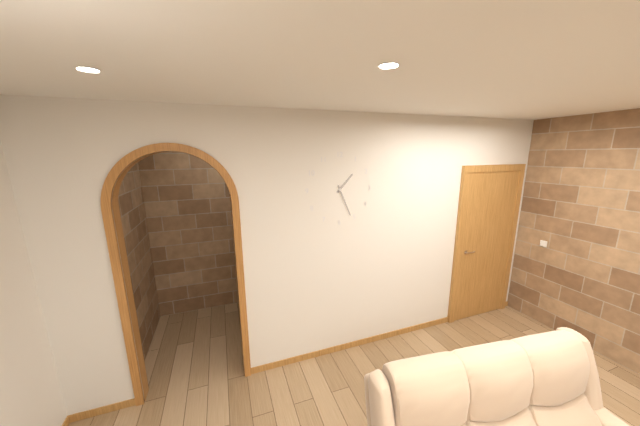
1.26
